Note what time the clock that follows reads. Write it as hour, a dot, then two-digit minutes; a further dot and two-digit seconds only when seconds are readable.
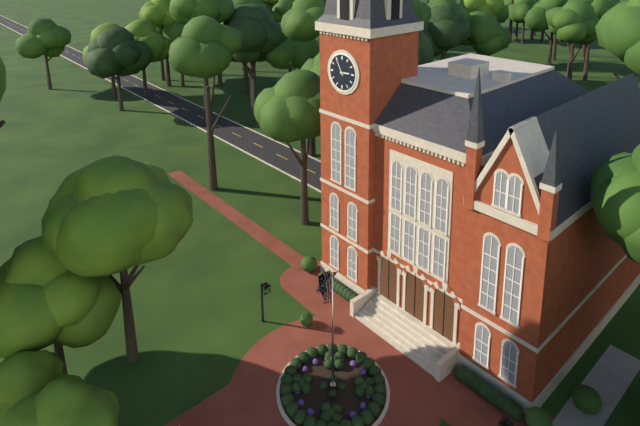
2.55
